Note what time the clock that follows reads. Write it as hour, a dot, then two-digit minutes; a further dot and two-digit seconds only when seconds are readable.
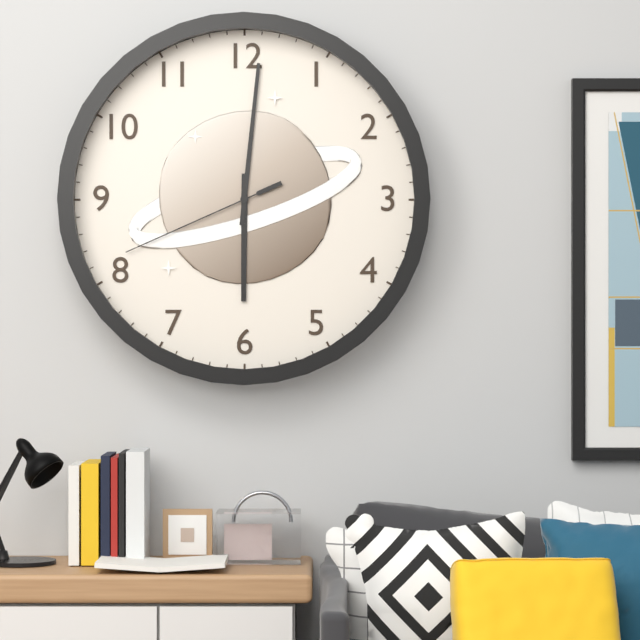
6.01.41
